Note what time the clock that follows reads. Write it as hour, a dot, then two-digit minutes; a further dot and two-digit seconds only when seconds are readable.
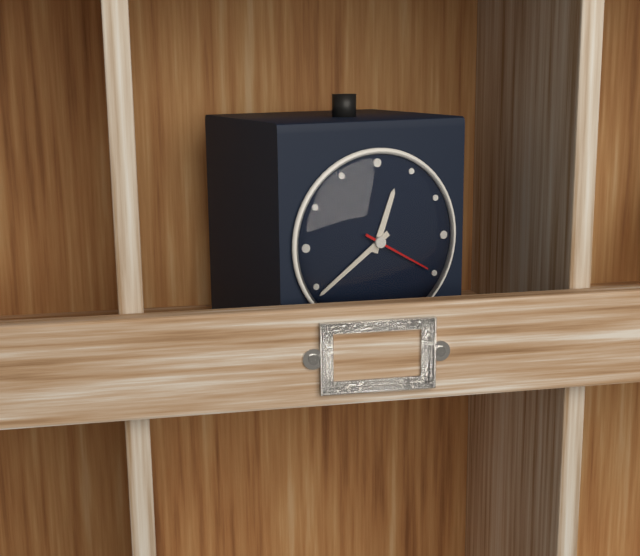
12.39.20
